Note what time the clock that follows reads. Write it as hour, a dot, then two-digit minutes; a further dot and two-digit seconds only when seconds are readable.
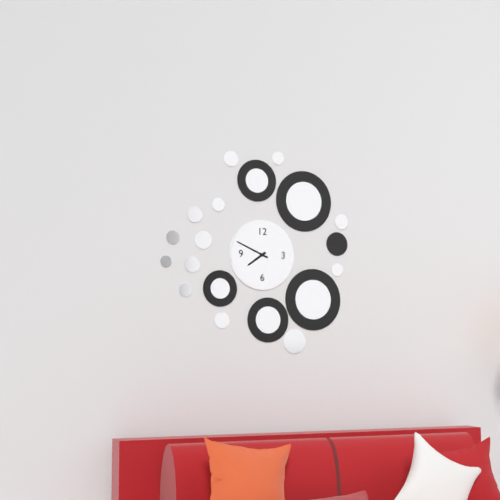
7.49
